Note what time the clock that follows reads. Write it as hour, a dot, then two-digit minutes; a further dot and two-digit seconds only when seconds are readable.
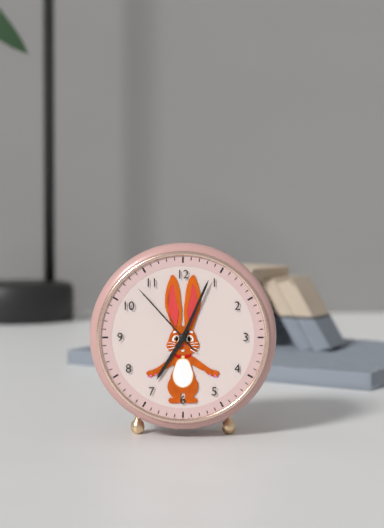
7.04.53
